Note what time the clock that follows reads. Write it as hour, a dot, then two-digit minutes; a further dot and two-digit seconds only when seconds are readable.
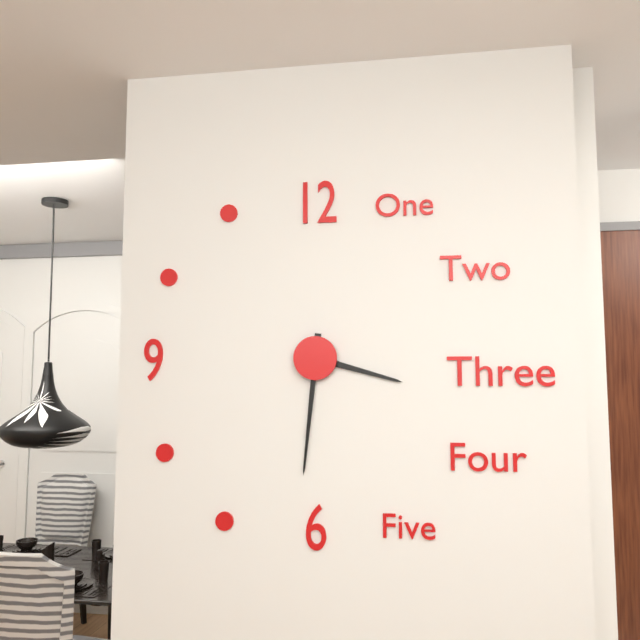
3.31
